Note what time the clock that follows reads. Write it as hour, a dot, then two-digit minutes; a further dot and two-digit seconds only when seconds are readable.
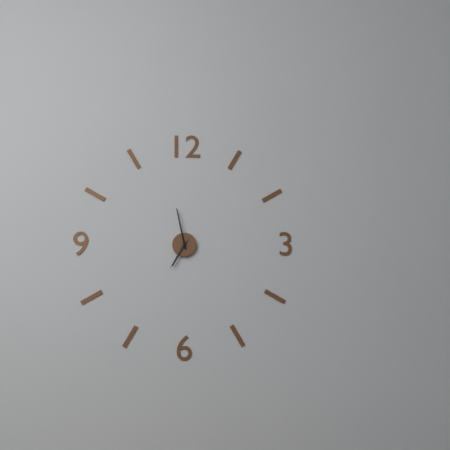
6.58
